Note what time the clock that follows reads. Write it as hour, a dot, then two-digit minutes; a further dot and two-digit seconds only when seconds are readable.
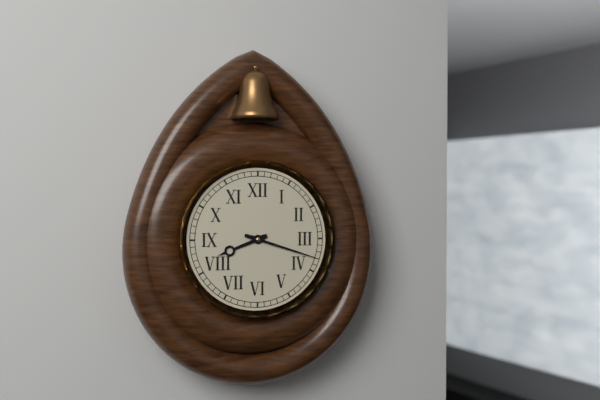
8.18
